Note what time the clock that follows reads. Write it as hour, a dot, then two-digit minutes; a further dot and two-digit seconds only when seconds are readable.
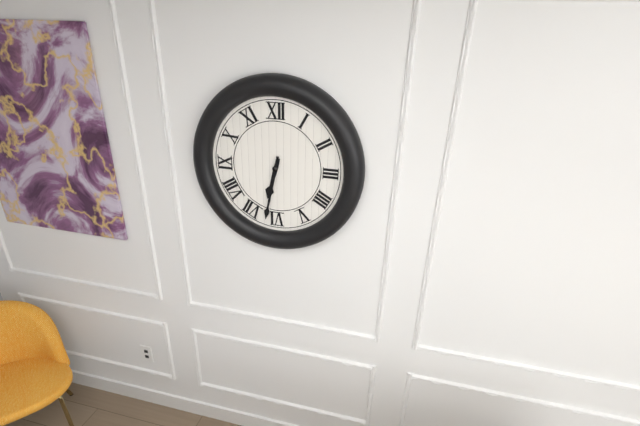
6.32
